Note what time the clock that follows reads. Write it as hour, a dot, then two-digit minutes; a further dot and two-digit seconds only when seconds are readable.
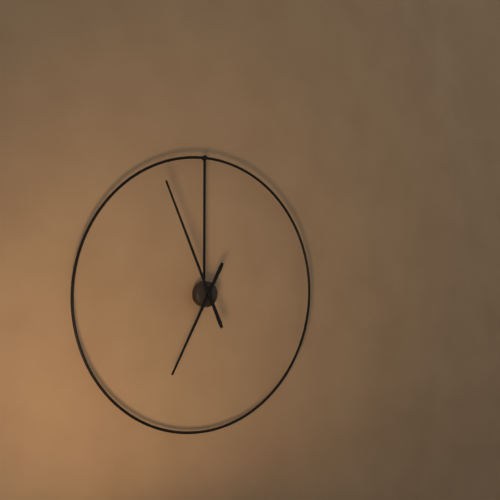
6.56
